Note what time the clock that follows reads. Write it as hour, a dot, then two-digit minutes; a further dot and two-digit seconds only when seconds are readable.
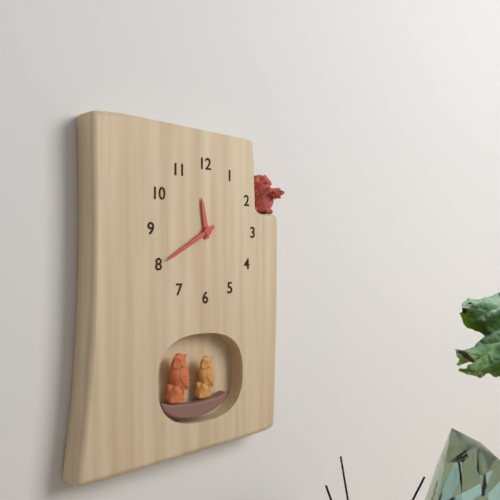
11.40
